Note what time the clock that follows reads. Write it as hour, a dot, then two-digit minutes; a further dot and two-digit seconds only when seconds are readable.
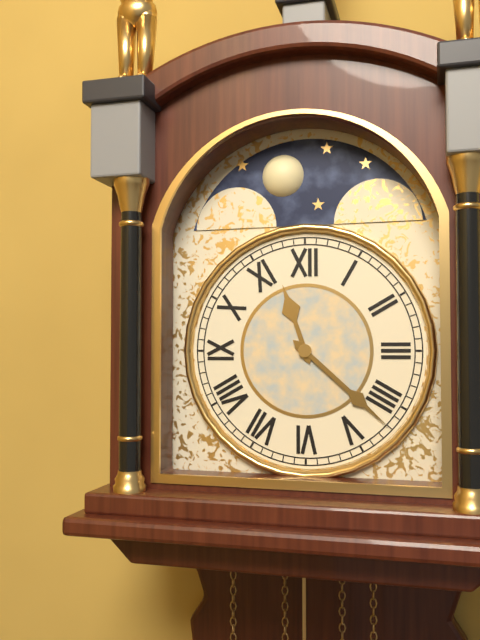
11.22
